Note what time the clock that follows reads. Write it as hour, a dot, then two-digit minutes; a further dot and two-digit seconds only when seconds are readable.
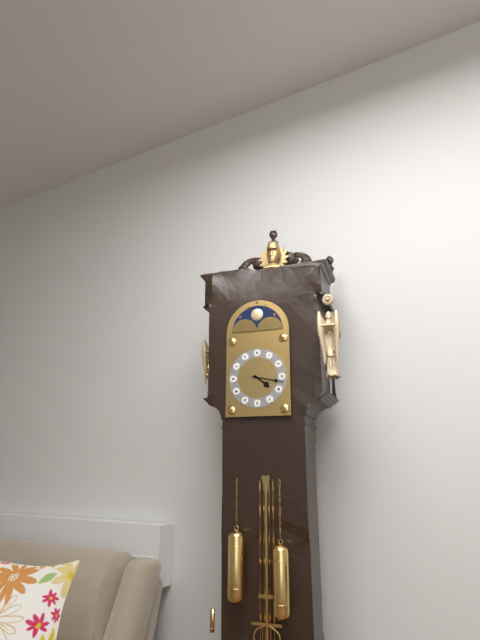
4.17
